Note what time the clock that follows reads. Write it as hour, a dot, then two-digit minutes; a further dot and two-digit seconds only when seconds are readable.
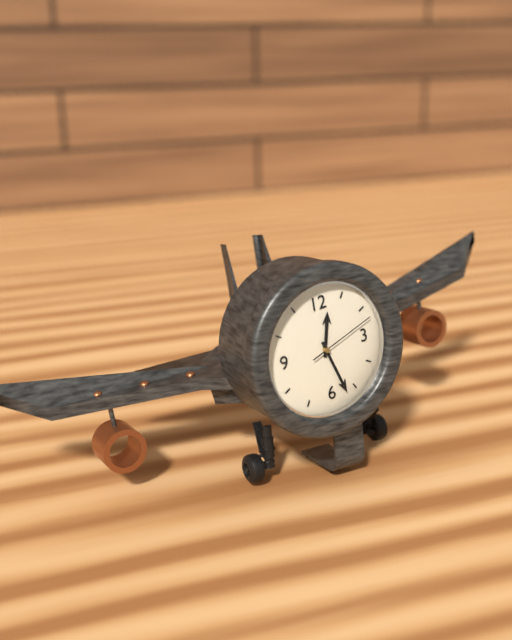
12.27.12
